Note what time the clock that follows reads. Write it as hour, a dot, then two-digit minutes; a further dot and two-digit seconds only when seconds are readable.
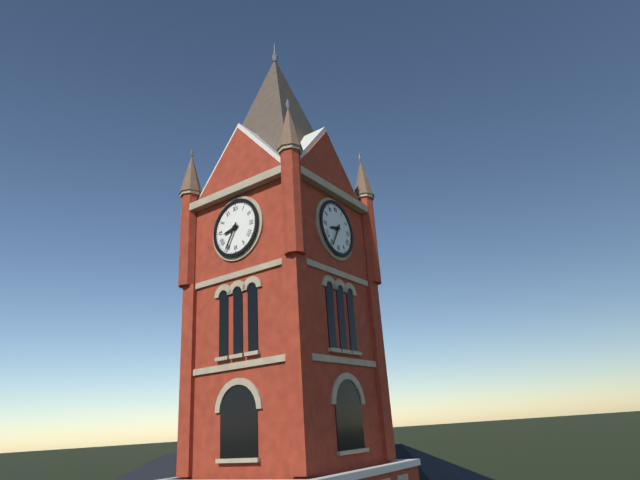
8.35
